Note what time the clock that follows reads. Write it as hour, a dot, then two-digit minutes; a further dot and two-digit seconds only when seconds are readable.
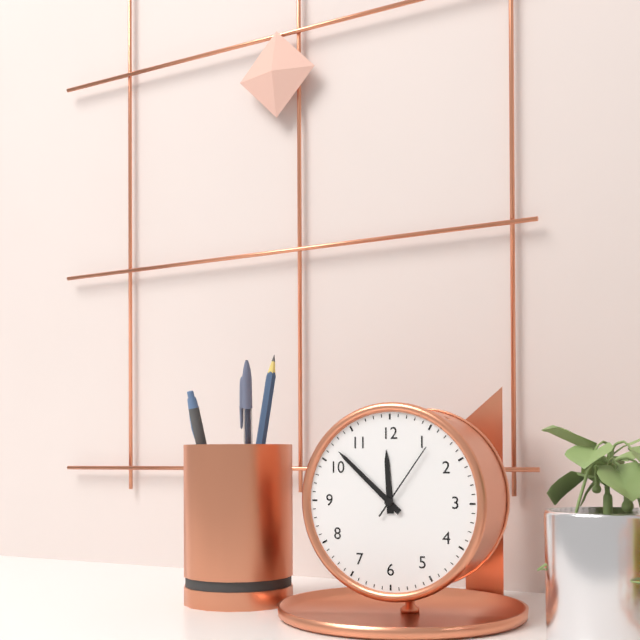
11.52.06
